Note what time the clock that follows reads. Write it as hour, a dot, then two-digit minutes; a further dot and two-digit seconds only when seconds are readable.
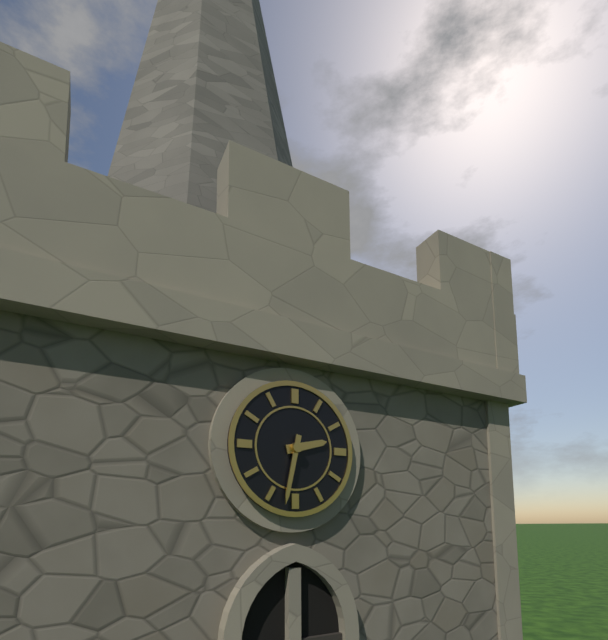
2.32
